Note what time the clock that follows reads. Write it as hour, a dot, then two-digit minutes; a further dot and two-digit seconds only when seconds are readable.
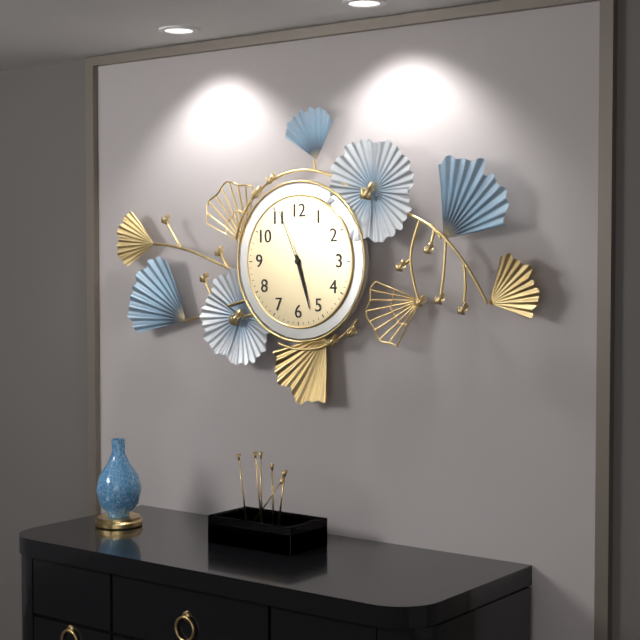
5.27.56
